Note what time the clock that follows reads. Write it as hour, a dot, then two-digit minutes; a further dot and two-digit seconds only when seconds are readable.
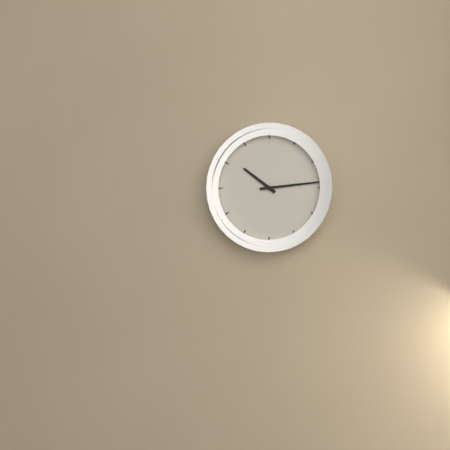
10.14
